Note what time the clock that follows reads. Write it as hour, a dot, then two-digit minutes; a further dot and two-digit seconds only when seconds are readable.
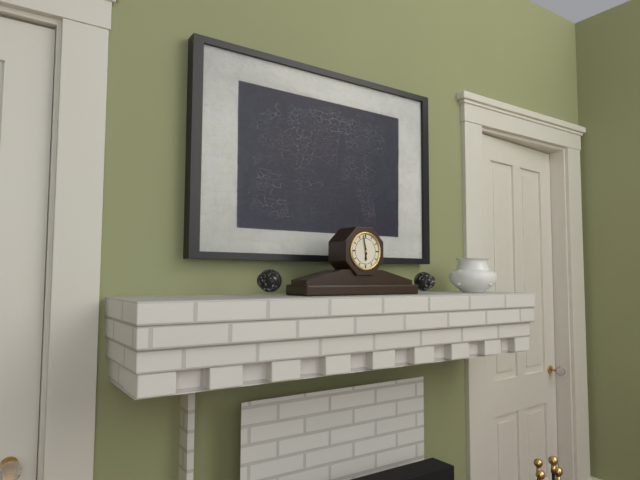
5.58
